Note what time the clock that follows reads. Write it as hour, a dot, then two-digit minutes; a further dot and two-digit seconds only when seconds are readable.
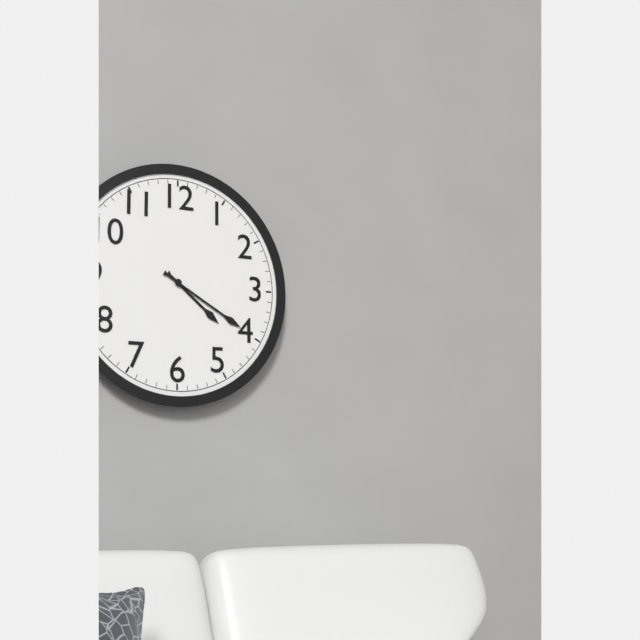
4.20
